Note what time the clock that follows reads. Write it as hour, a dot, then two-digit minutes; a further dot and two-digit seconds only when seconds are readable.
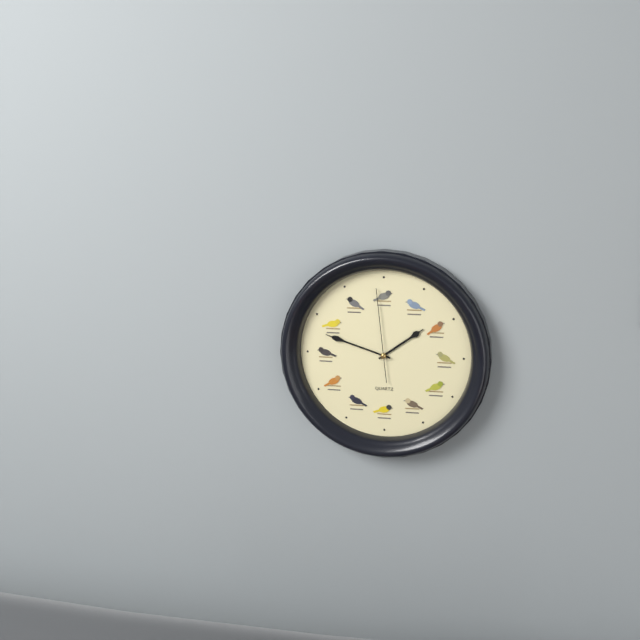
1.48.59
